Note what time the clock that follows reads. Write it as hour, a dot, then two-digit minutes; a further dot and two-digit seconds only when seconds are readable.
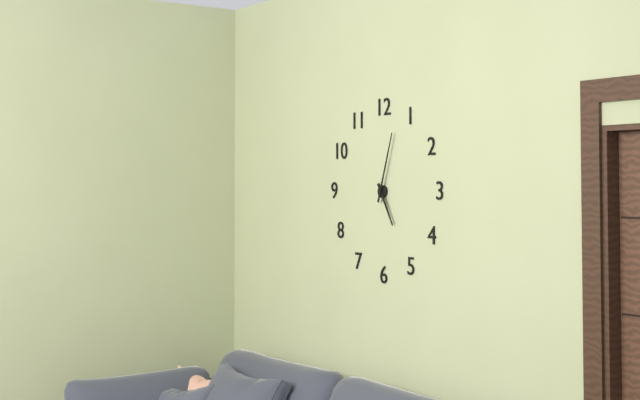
5.03
